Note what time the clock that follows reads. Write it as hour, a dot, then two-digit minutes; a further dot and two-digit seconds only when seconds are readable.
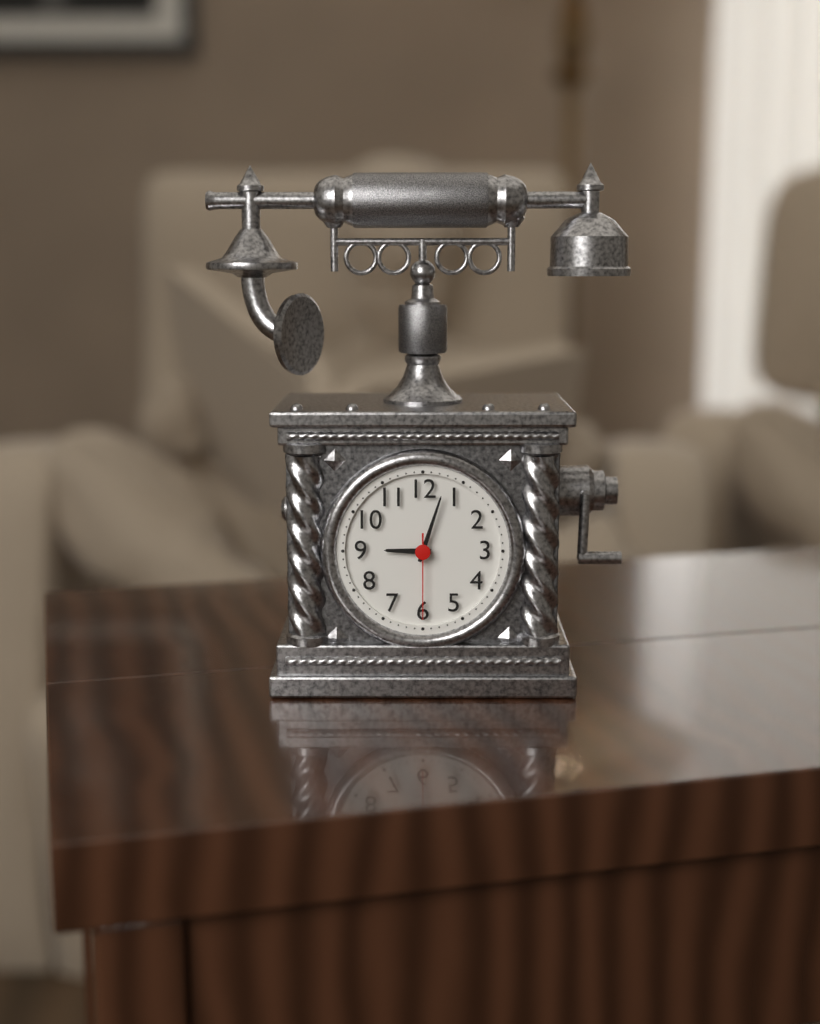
9.03.30
